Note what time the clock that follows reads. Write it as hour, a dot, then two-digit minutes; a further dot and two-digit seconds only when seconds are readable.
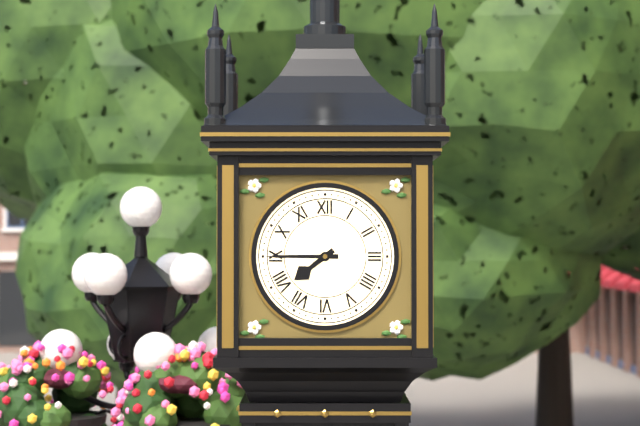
7.45
